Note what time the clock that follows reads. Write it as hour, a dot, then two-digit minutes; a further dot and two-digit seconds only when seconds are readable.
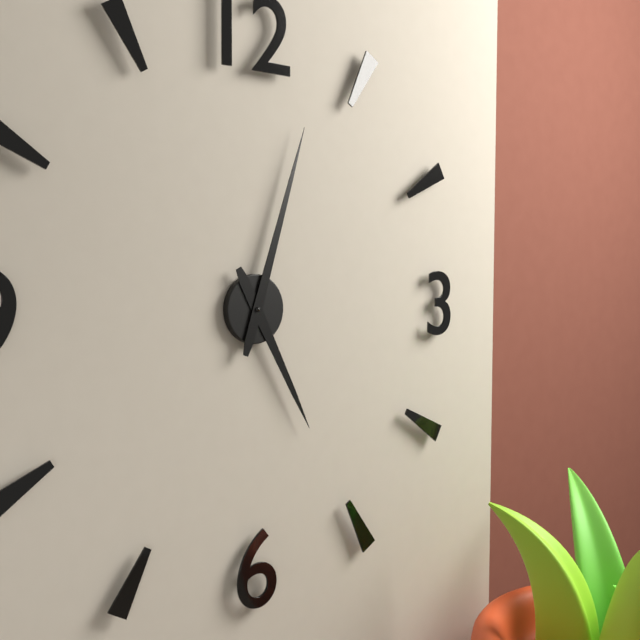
5.03
